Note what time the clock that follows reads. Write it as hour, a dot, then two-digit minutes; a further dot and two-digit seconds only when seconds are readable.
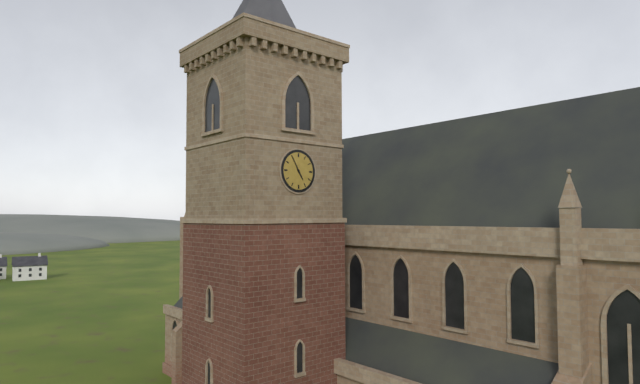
4.55
